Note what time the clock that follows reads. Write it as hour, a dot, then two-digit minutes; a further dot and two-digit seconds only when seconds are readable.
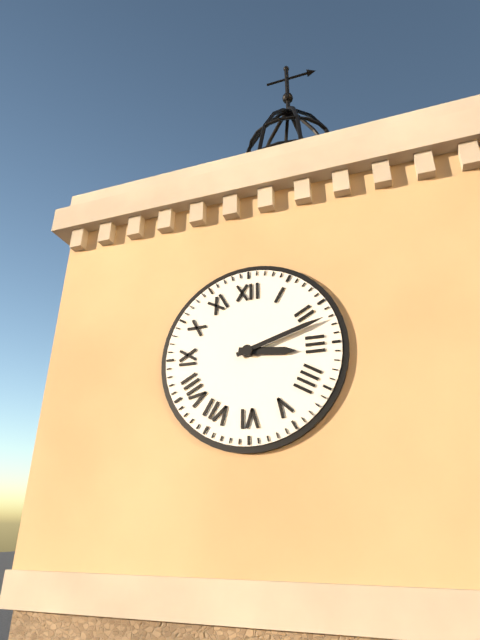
3.12
